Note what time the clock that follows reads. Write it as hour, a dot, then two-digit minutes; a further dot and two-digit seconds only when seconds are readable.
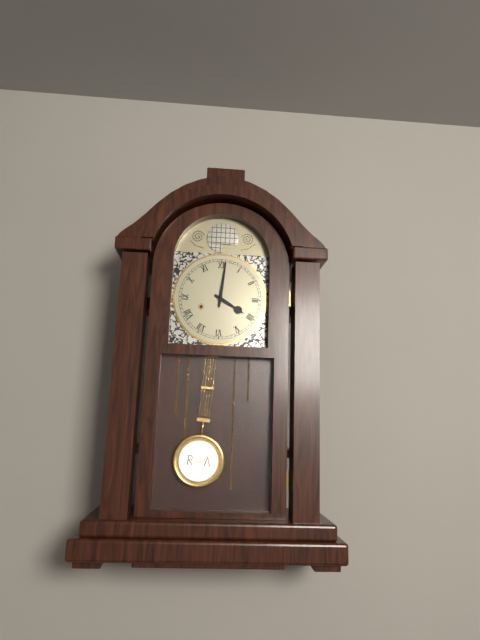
4.01
